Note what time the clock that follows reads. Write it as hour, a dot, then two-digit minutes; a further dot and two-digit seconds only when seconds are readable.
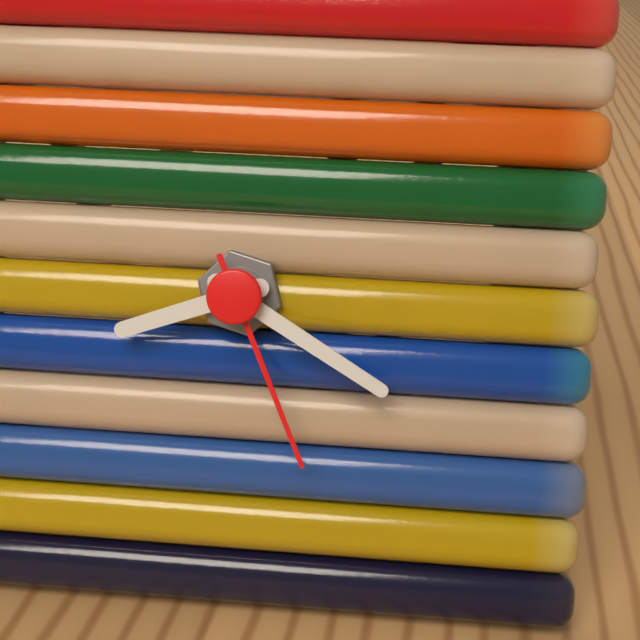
8.20.26
